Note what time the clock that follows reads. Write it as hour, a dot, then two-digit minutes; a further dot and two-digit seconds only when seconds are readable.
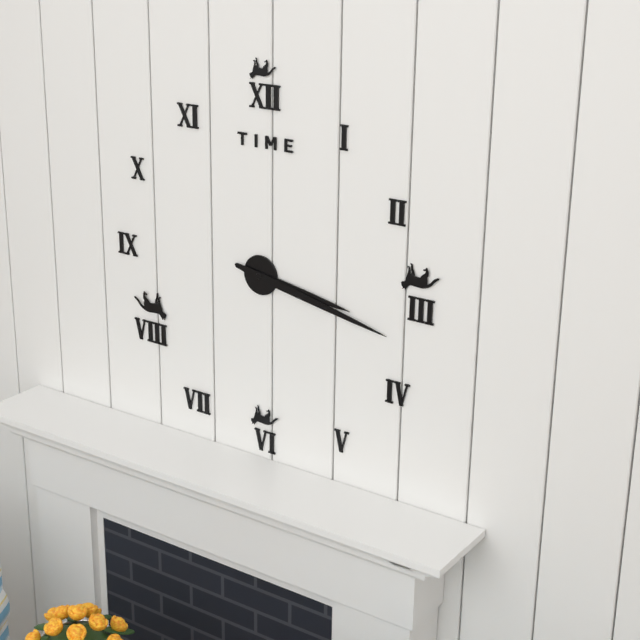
3.17
